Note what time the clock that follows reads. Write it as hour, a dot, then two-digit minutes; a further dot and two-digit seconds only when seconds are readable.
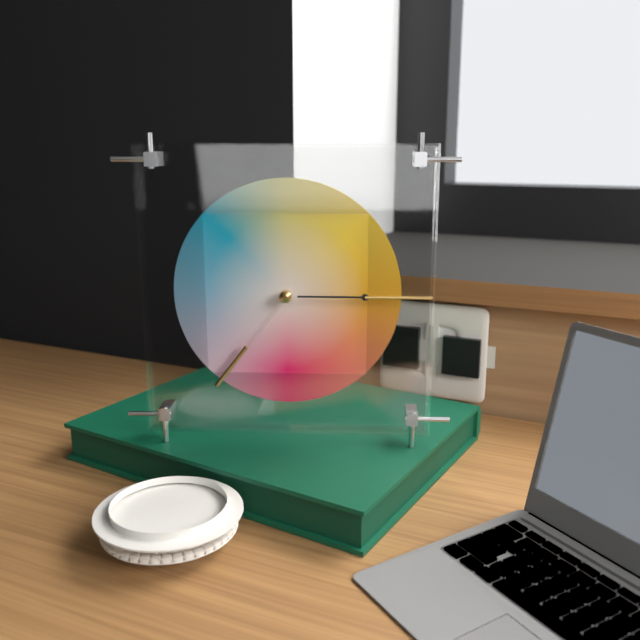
7.15
